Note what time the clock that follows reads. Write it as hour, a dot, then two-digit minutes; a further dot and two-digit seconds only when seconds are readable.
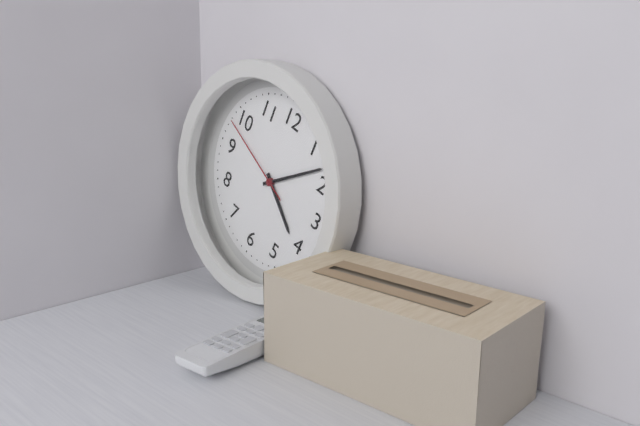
4.08.48
